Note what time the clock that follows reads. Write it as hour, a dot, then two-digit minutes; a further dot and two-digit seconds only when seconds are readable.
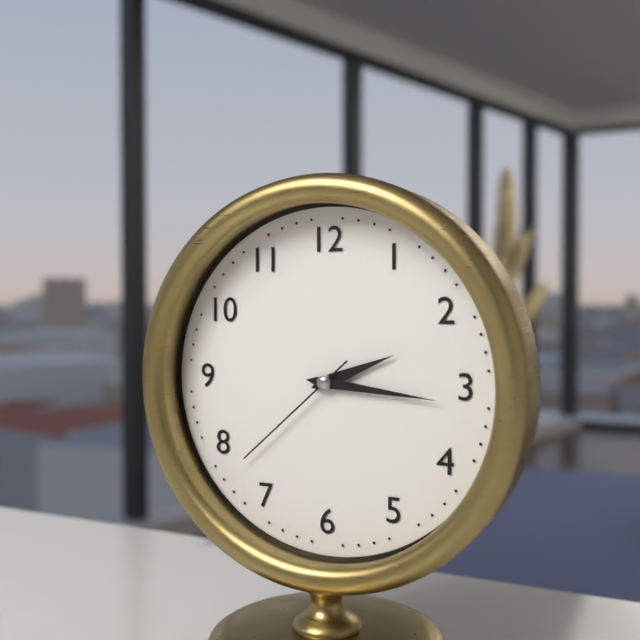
2.16.38
